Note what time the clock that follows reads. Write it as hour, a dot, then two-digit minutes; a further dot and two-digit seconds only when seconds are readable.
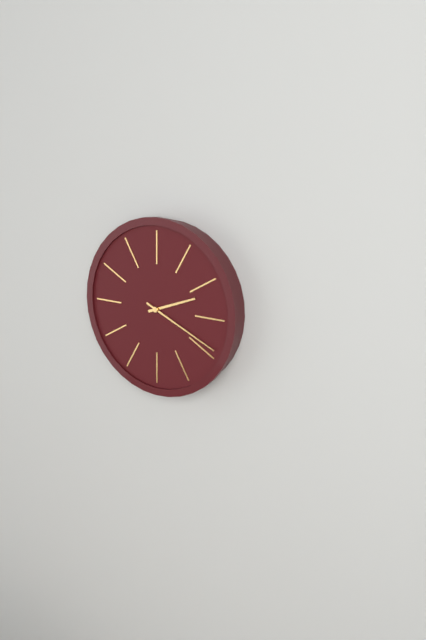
2.19
